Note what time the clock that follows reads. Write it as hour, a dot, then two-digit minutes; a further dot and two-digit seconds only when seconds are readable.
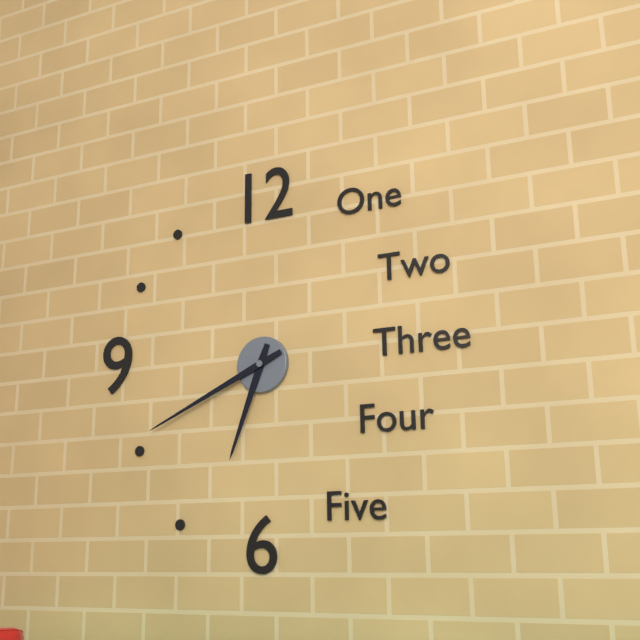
6.41
